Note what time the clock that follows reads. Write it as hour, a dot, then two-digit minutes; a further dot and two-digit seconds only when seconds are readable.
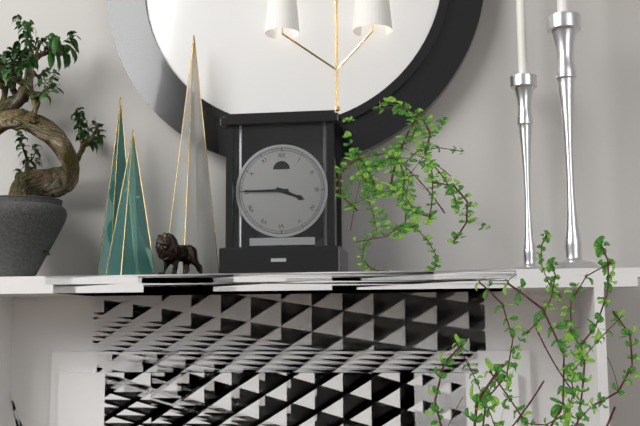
3.45
